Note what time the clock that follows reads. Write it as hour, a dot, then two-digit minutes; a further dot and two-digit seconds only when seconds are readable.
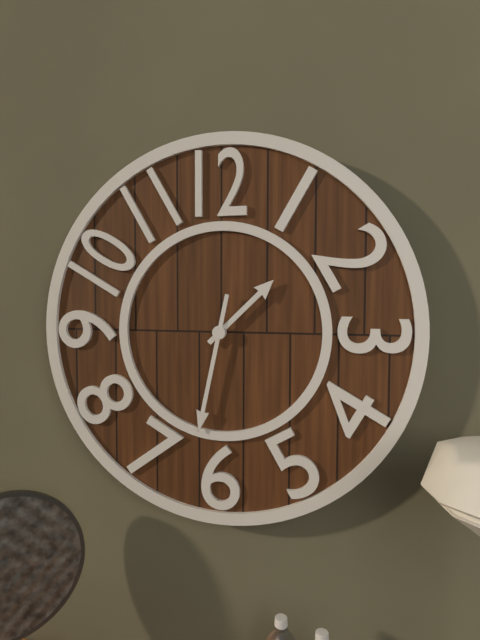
1.32
